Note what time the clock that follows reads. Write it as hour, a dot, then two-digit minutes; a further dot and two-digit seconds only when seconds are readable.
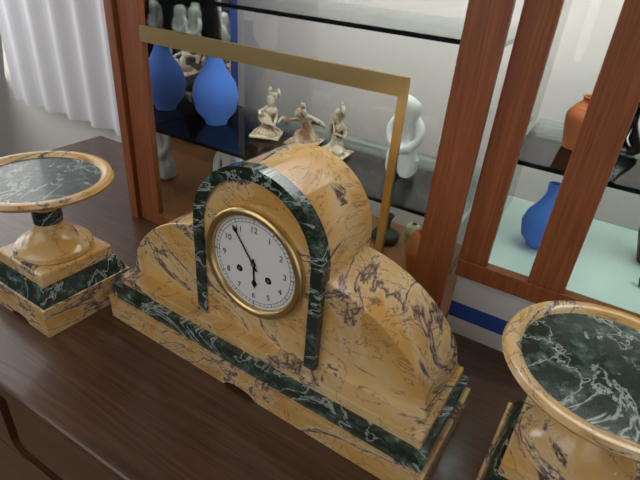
5.54
